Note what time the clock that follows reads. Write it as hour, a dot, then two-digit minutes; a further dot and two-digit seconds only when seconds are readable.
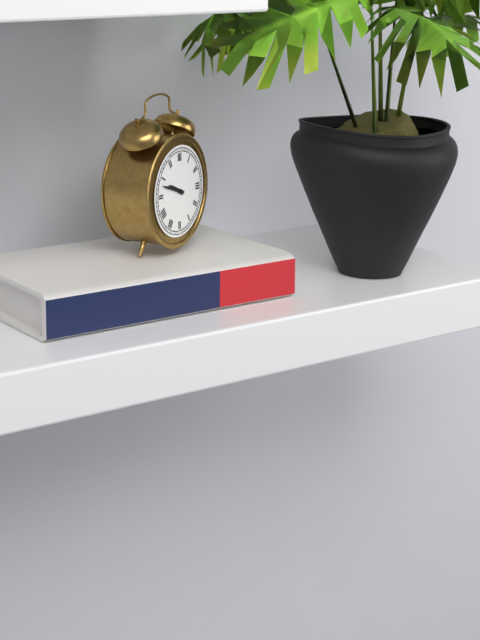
9.48
